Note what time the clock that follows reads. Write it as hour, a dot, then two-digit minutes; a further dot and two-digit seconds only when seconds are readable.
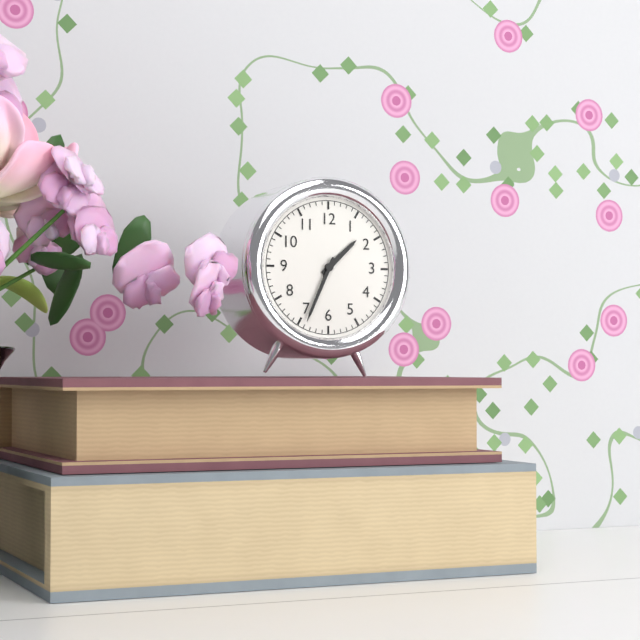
1.34
